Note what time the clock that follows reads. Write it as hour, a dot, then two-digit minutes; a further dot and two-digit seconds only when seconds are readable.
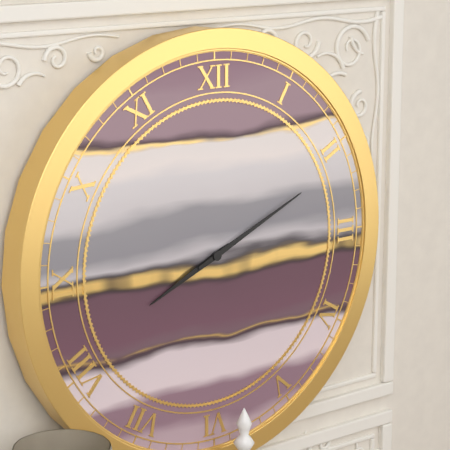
8.11
